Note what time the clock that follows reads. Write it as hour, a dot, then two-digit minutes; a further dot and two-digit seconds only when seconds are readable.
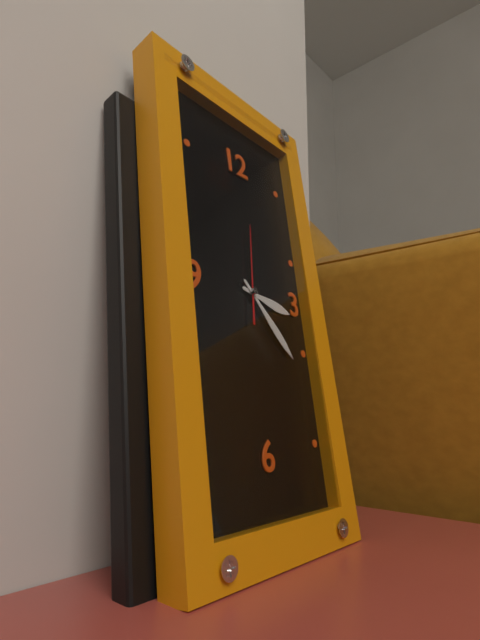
3.23.01
